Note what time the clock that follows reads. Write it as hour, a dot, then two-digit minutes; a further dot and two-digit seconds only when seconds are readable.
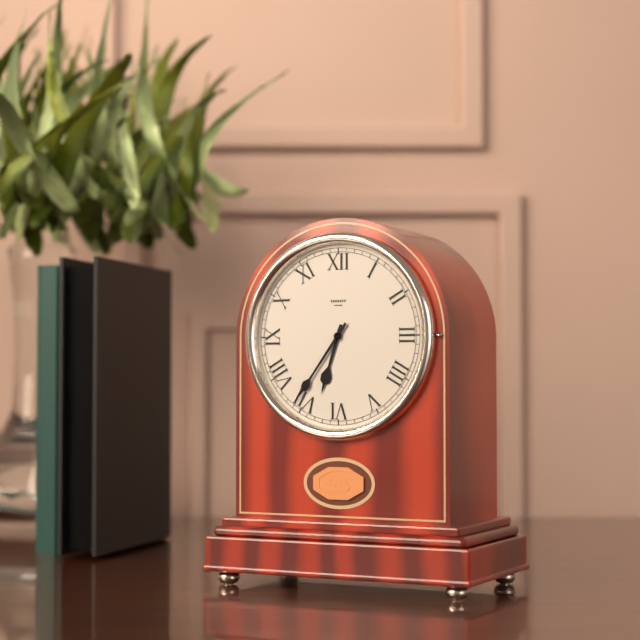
6.36
